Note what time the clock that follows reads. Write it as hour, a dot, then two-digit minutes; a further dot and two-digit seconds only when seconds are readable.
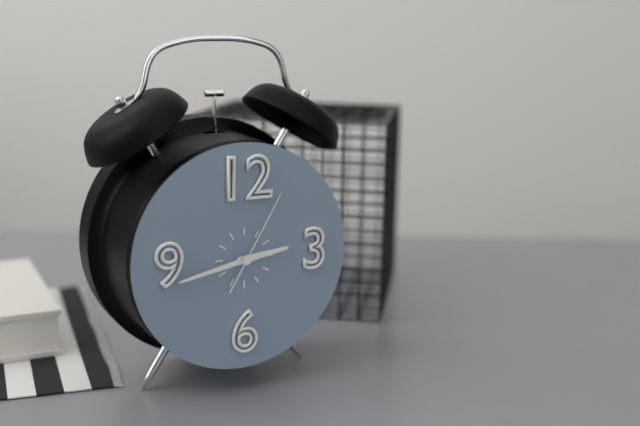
2.43.05
